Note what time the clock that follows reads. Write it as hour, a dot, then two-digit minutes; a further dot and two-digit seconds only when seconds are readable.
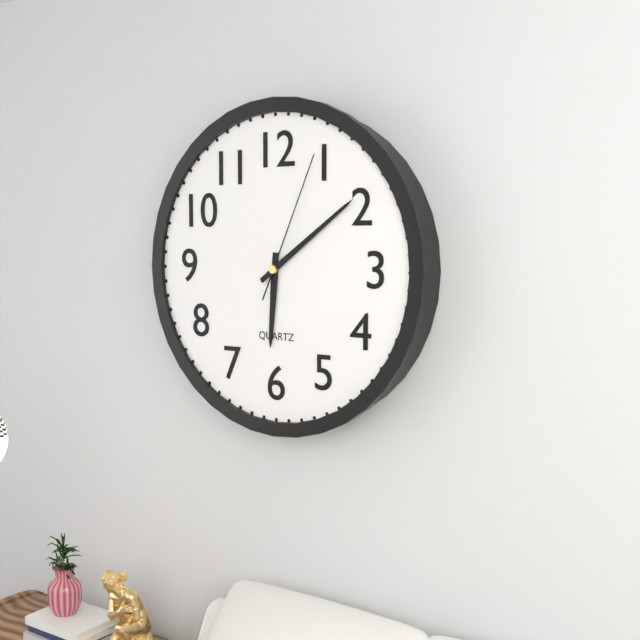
6.09.04
